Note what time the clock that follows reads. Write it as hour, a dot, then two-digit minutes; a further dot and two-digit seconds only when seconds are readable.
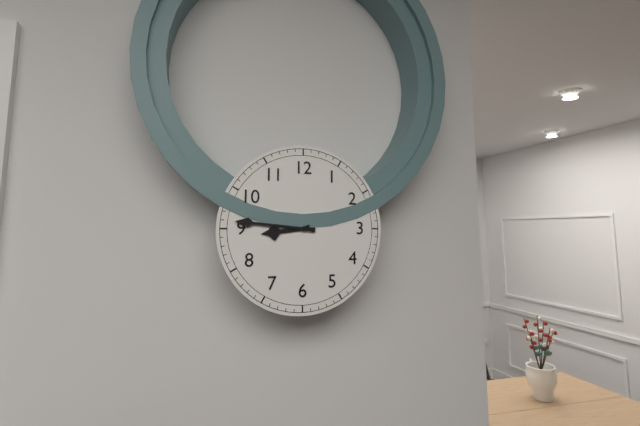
8.46
